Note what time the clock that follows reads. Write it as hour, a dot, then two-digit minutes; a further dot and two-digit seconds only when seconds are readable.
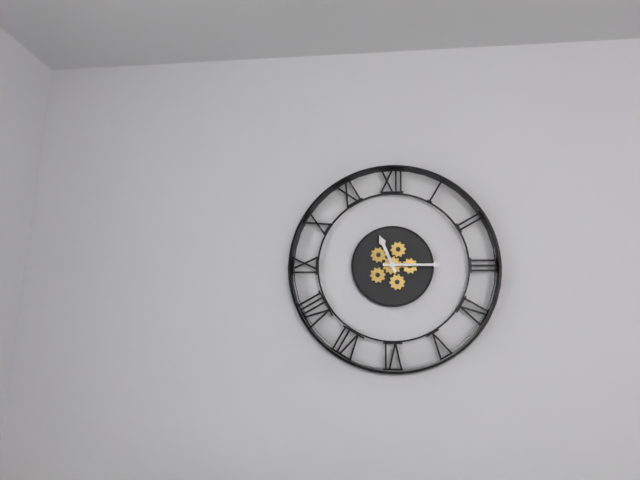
11.15
